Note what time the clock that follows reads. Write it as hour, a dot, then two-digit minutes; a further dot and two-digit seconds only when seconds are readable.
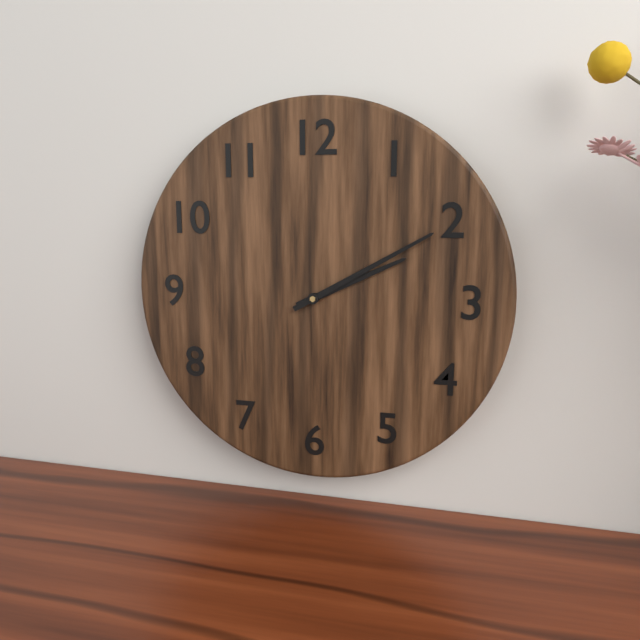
2.10
